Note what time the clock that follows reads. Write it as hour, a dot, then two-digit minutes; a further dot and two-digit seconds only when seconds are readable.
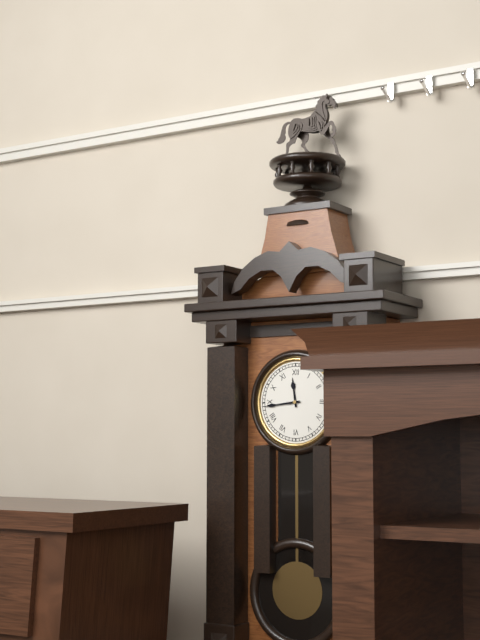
11.44
